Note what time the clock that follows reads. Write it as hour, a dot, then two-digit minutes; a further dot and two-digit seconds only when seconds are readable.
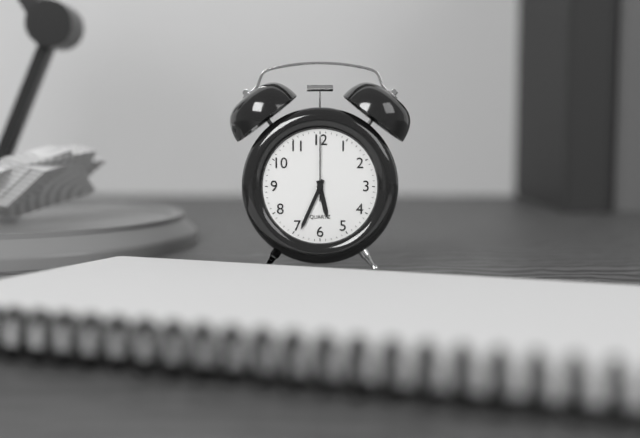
5.34.00
